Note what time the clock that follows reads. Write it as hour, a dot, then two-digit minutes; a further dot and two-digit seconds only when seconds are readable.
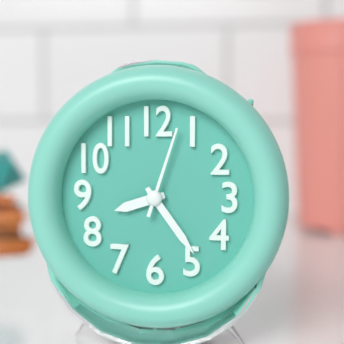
8.24.03
